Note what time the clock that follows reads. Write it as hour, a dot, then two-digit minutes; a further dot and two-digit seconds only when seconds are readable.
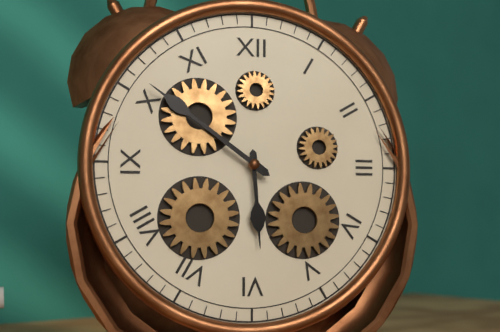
5.51
